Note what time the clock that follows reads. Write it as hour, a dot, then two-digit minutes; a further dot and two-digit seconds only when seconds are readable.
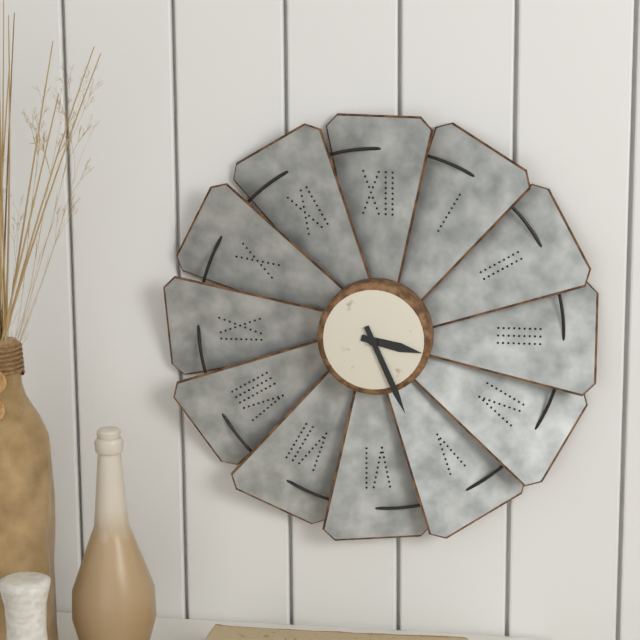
3.26
